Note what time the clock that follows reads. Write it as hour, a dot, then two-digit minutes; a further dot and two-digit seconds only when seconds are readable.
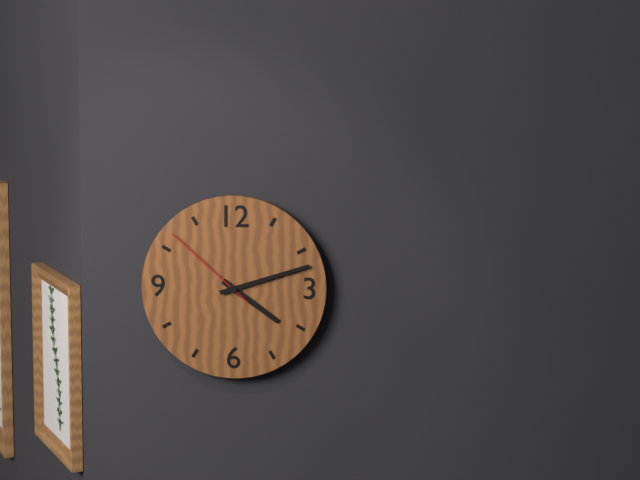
4.12.52
